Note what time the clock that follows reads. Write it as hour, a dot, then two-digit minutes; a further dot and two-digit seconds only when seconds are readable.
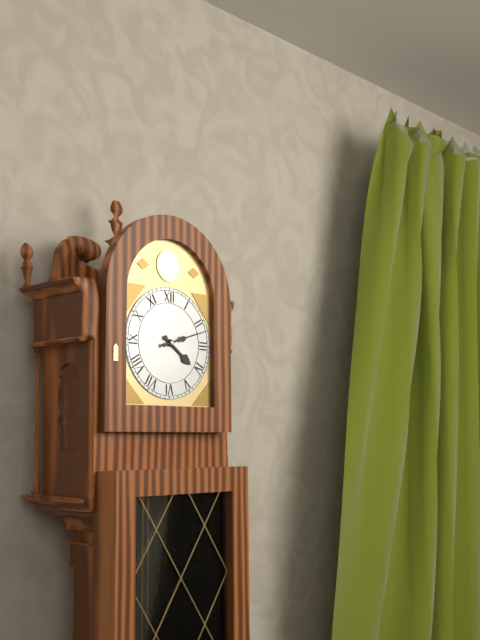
4.12
